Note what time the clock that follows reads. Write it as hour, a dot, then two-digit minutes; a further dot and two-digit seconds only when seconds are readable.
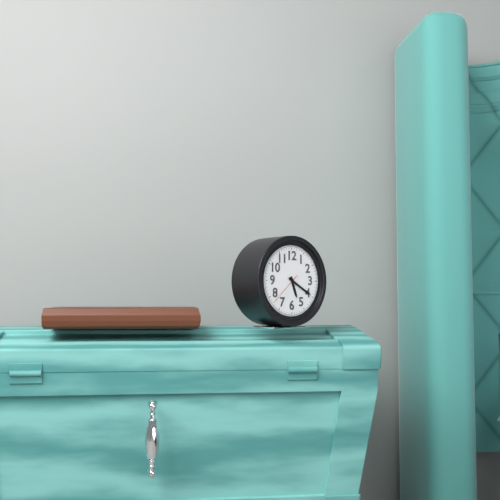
5.20
